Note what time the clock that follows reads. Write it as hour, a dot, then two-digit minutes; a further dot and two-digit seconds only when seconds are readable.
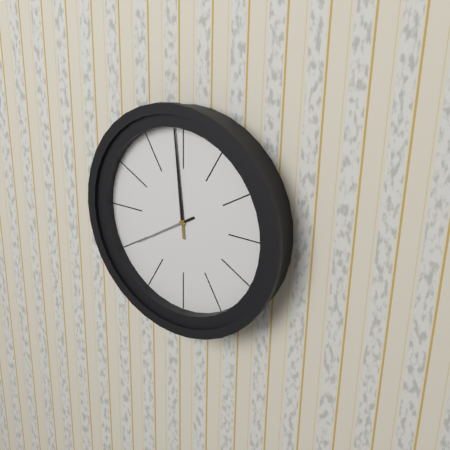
7.59
